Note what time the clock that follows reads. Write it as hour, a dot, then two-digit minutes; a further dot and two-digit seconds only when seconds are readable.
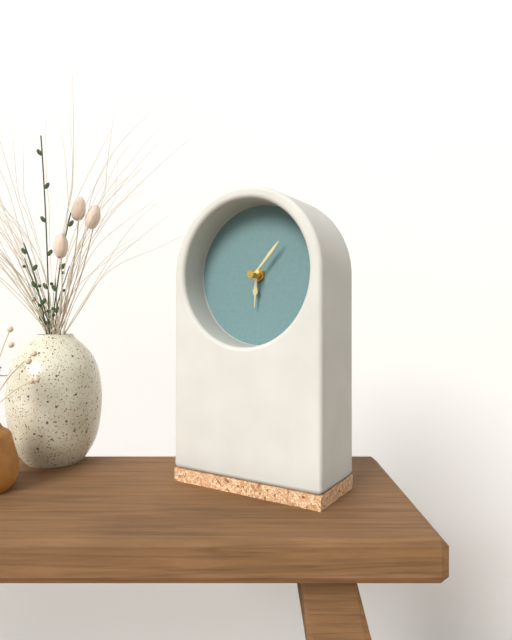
6.07
